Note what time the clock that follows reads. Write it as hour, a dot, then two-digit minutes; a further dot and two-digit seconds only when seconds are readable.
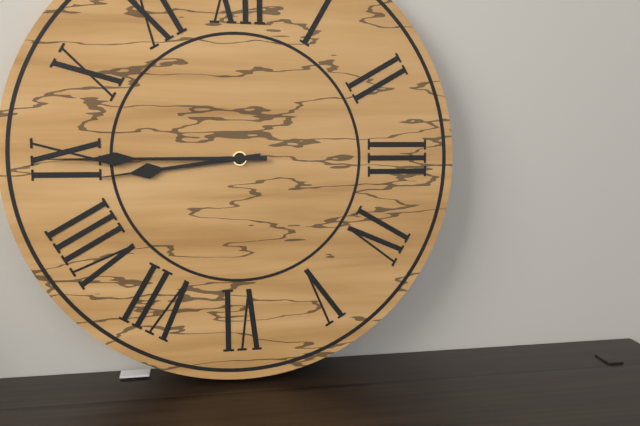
8.45
